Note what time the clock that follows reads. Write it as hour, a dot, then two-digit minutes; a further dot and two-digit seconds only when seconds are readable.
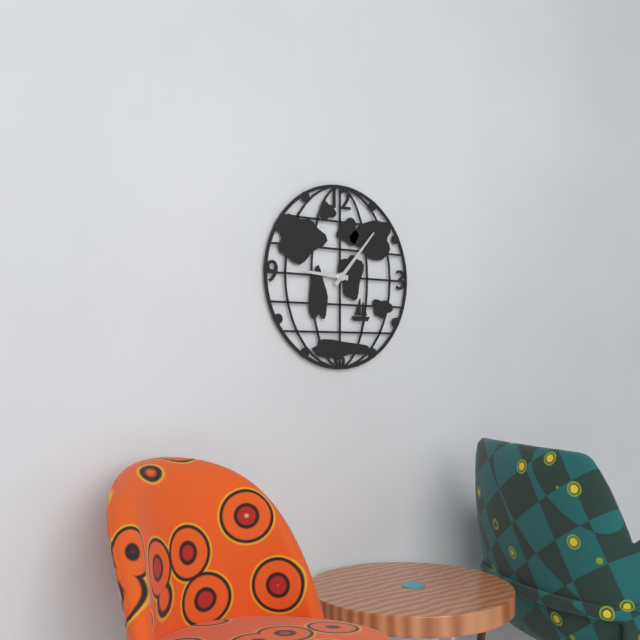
9.07
